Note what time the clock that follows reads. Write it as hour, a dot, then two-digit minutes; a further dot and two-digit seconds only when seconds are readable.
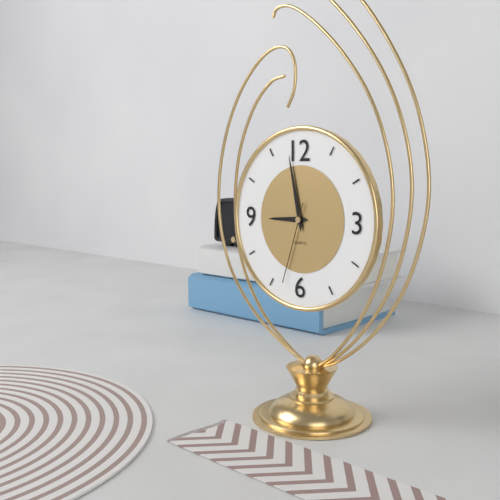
8.58.33
